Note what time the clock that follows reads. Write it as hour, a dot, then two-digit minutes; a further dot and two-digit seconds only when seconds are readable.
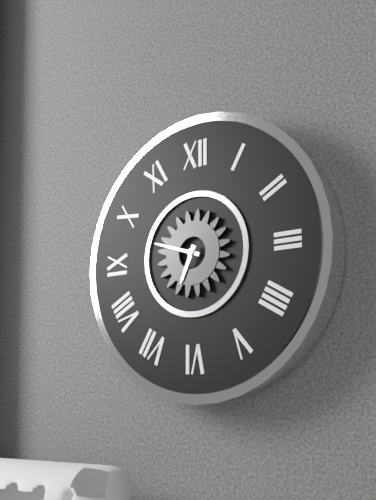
6.48
